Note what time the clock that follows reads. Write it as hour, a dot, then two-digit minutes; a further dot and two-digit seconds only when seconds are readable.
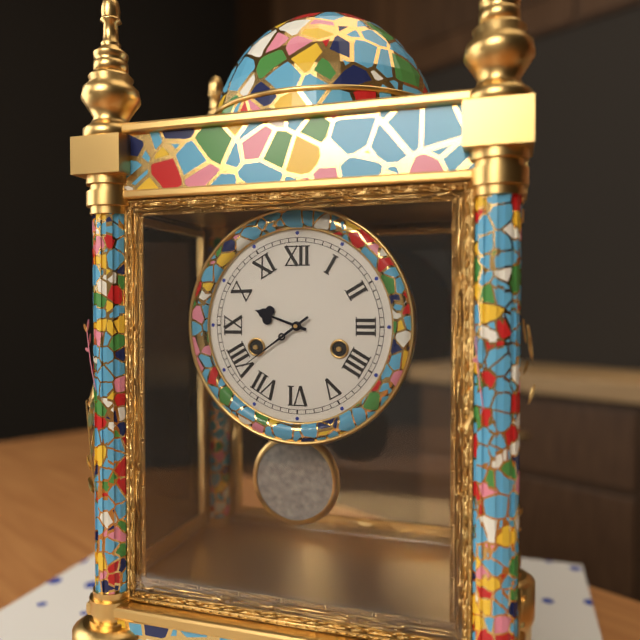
9.39
